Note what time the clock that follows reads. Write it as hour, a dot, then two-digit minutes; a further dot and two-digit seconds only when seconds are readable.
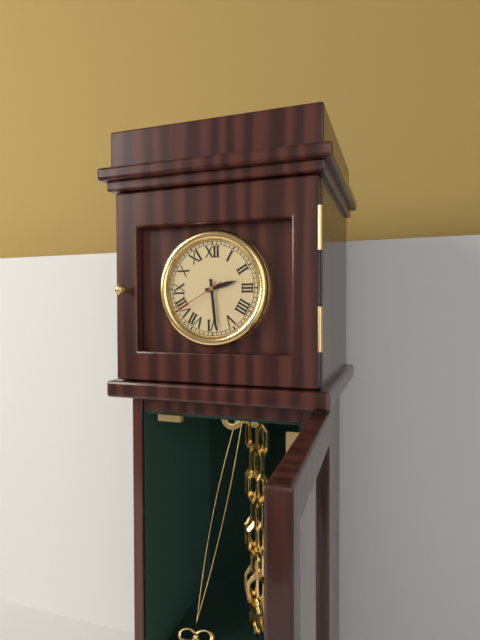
2.29.40
